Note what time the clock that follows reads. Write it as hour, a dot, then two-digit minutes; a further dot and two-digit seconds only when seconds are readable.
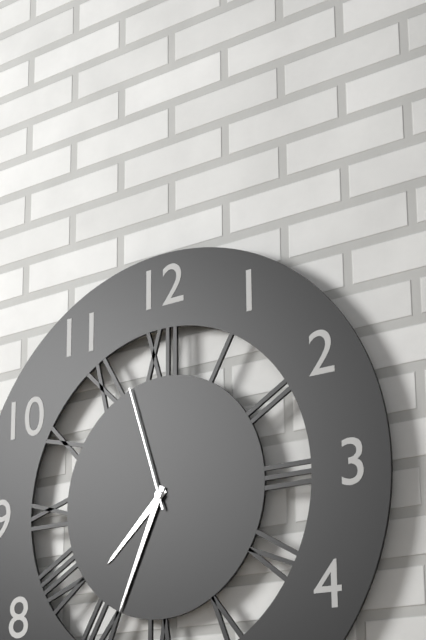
7.34.57
